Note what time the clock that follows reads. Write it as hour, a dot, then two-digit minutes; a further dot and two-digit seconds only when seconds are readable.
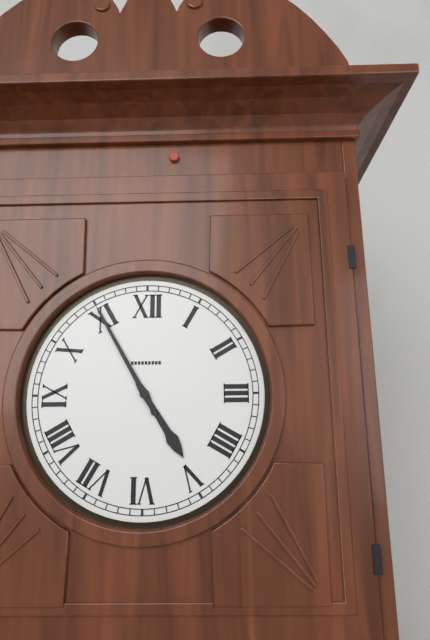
4.55
